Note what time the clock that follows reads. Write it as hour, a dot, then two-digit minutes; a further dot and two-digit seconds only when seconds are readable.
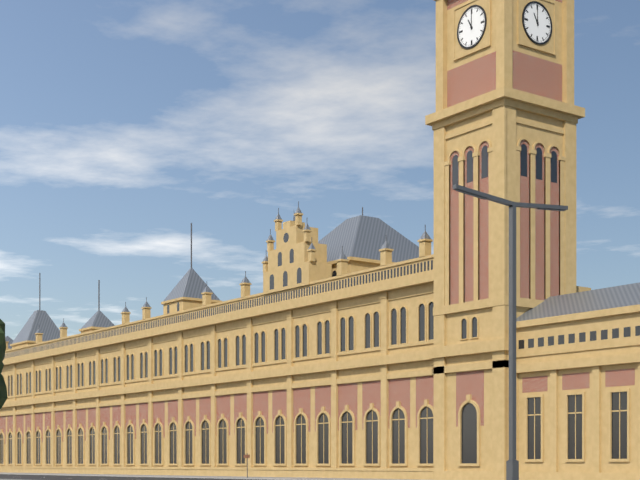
11.00
